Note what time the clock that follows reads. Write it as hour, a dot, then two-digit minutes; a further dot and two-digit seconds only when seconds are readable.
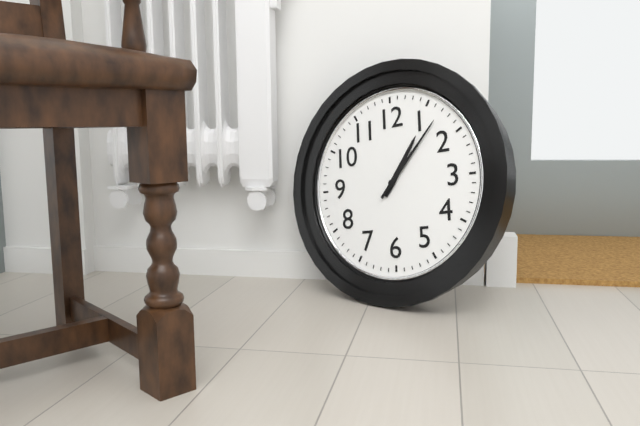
1.07
